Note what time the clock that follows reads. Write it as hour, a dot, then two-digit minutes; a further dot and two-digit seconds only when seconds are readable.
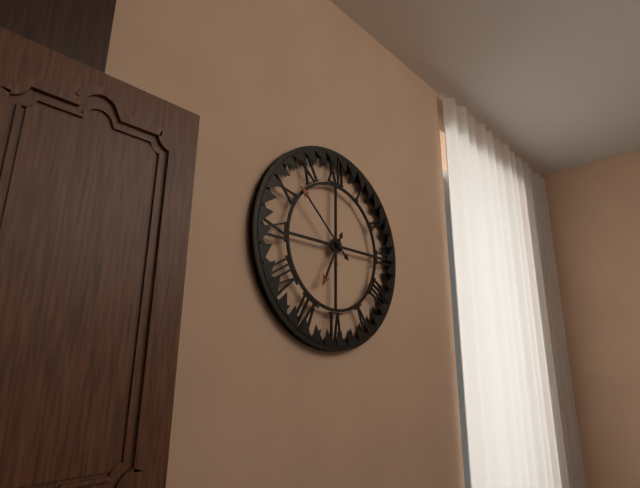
6.52
